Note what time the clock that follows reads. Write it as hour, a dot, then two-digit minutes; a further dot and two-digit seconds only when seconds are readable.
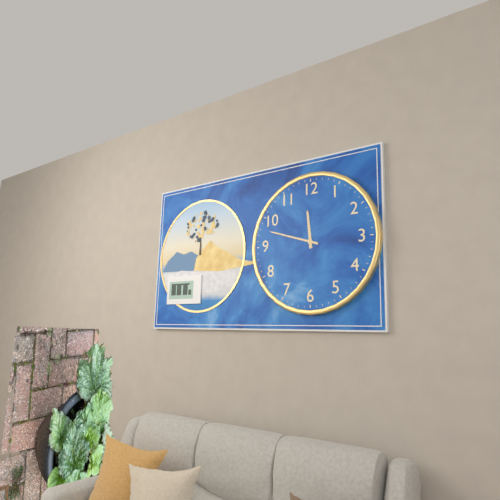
11.48
